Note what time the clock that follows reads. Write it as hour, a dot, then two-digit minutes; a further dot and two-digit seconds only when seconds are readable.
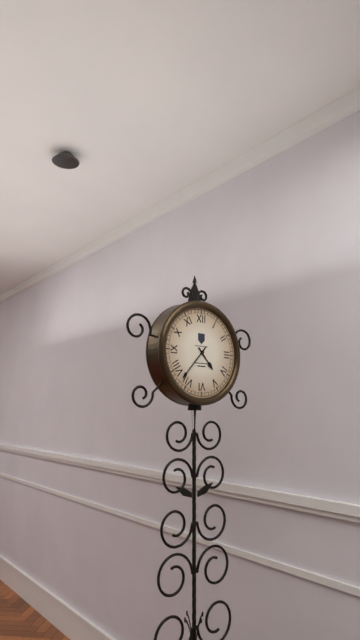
4.37
